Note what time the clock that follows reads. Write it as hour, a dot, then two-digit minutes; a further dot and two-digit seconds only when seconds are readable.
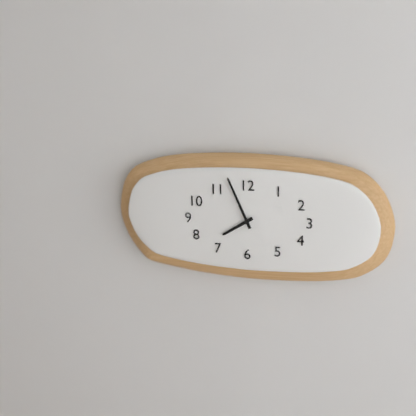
7.56
